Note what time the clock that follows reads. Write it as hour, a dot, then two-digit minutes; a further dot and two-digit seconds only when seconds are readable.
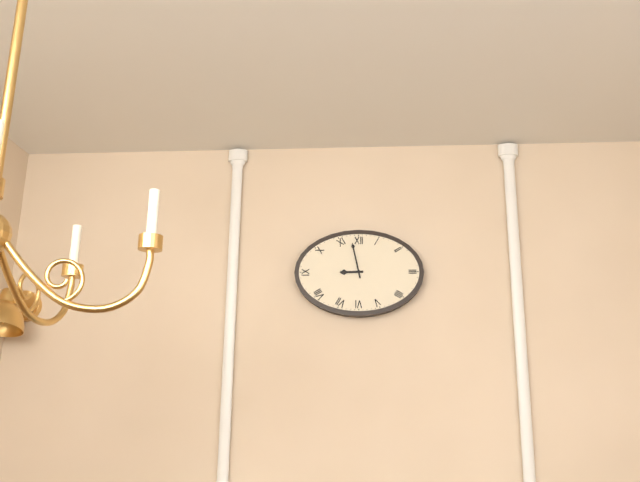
8.58
